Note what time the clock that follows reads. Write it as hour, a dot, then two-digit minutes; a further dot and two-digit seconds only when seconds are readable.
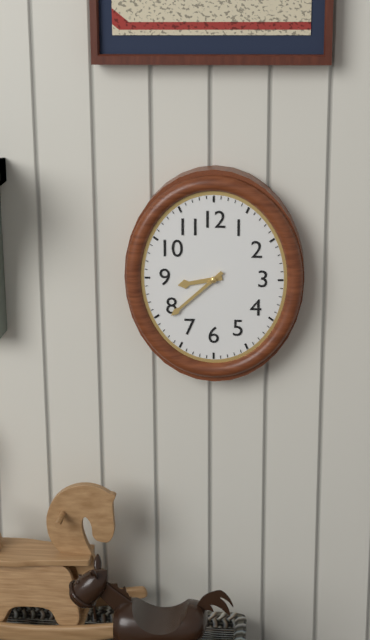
8.38
